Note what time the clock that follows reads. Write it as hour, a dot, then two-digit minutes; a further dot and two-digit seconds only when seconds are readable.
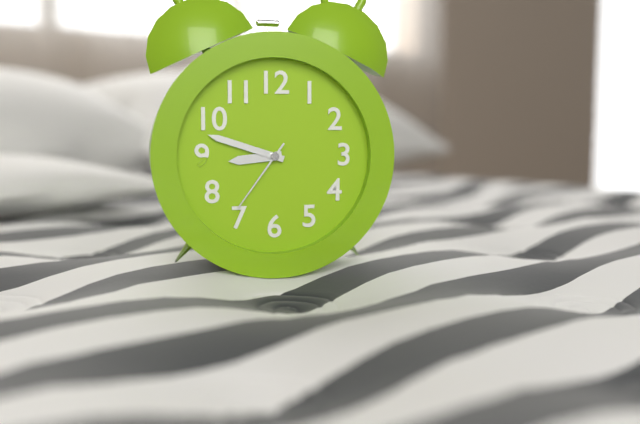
8.48.36
